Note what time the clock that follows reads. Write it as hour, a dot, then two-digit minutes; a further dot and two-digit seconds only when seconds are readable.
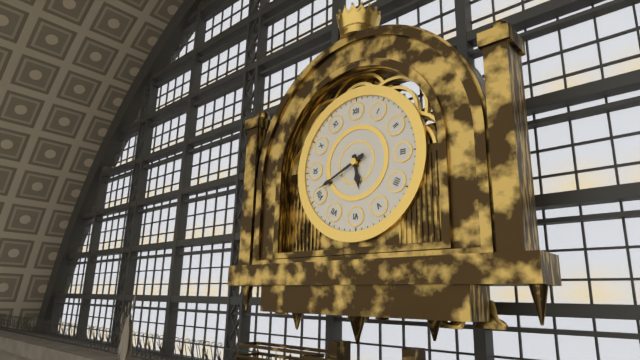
5.41
